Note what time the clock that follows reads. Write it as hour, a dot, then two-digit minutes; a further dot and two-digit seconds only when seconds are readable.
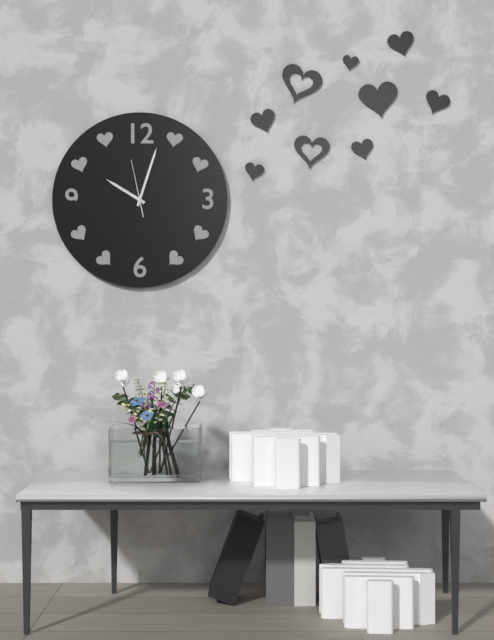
10.03.58
